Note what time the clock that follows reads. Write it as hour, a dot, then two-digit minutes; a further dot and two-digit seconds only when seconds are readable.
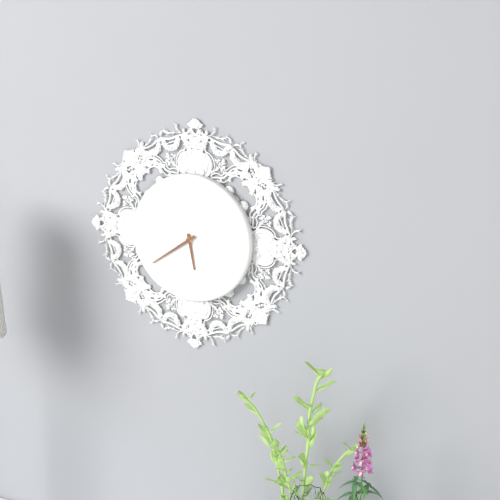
5.39
